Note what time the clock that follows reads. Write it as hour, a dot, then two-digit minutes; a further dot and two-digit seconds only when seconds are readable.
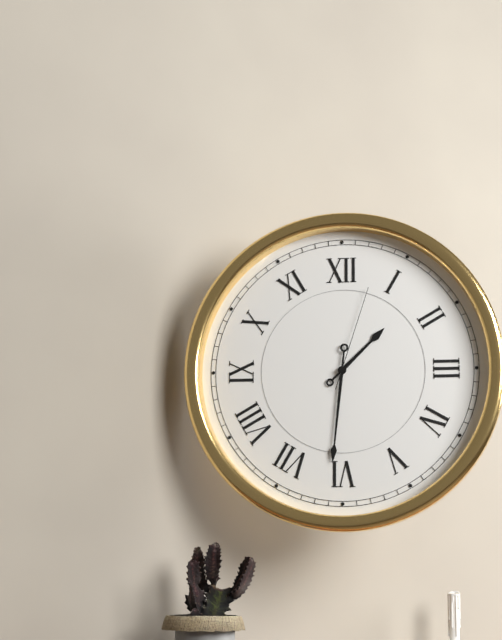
1.31.03
